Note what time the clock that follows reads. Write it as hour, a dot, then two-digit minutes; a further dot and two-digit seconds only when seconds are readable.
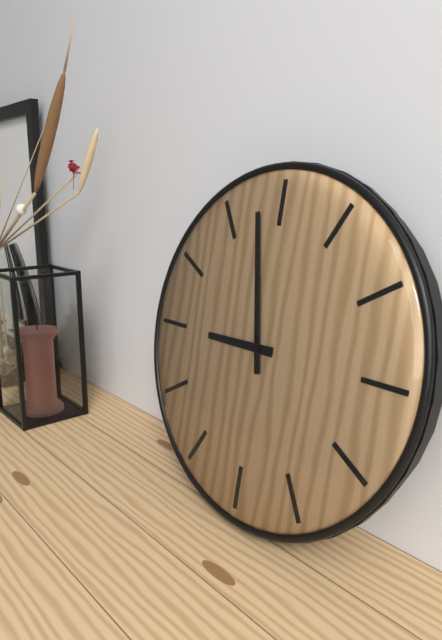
8.58
